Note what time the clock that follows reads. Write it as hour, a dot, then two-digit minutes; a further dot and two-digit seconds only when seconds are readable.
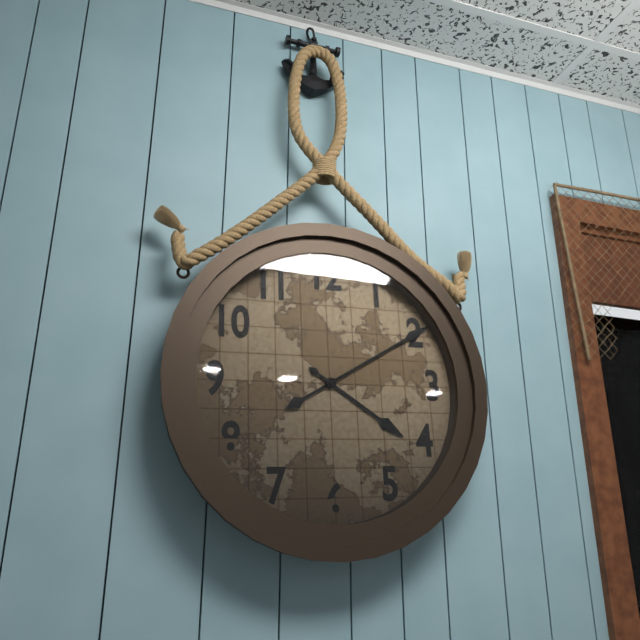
4.10
